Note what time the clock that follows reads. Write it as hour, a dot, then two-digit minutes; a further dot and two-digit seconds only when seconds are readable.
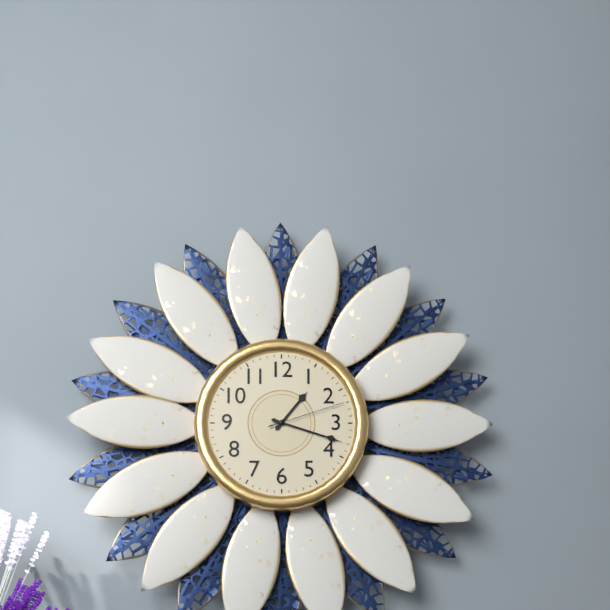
1.18.12
